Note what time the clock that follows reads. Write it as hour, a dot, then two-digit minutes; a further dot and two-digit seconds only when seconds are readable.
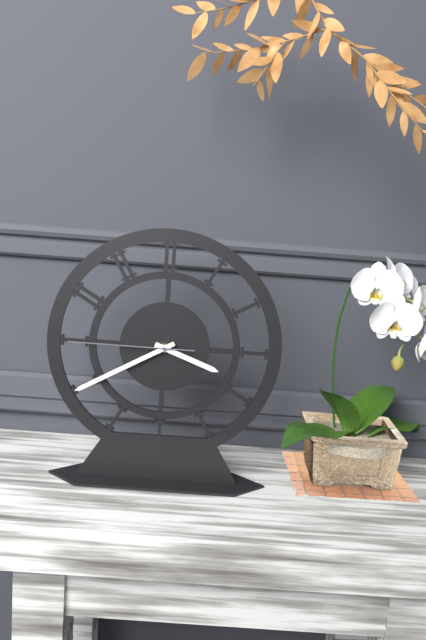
3.40.45
